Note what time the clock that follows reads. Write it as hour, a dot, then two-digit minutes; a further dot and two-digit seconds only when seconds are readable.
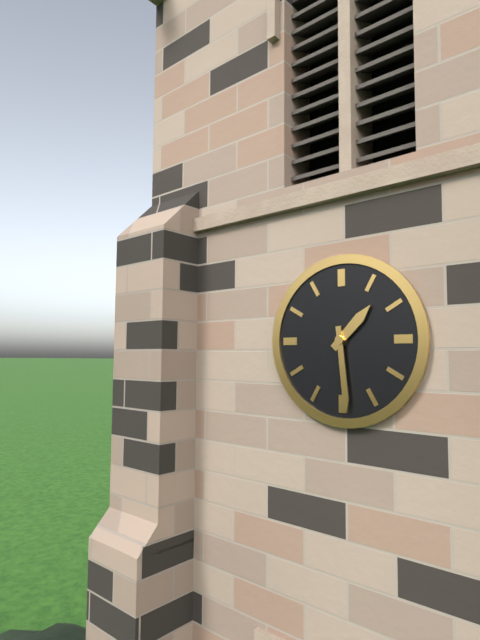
1.29
